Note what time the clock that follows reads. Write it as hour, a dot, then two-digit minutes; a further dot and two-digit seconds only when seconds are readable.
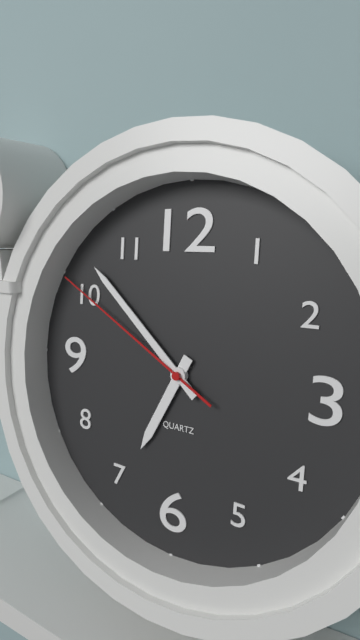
6.52.50
